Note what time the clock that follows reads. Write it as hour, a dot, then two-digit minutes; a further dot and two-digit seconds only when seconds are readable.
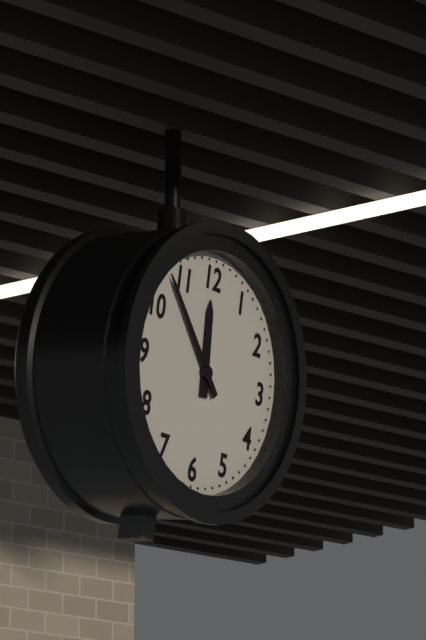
11.53
